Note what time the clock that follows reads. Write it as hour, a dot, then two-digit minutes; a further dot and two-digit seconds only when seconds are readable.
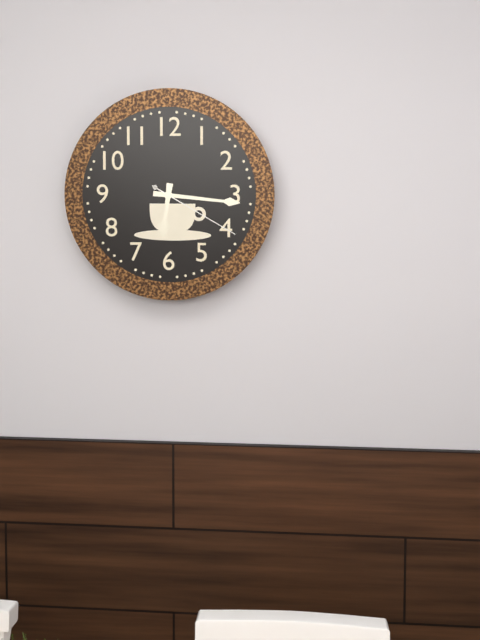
6.16.20
